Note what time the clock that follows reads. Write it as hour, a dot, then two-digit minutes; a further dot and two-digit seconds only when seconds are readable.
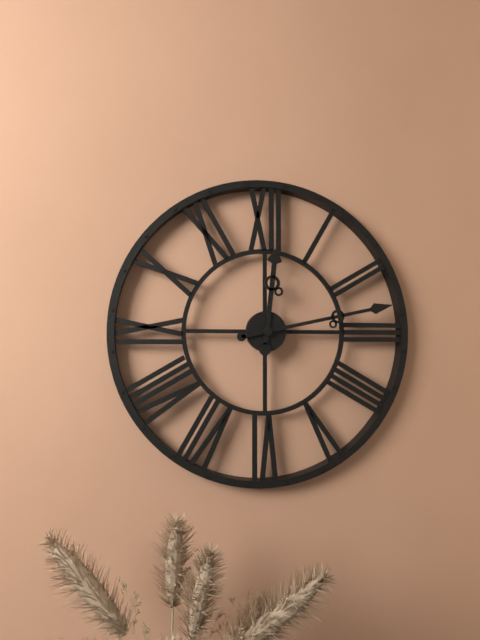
12.13
